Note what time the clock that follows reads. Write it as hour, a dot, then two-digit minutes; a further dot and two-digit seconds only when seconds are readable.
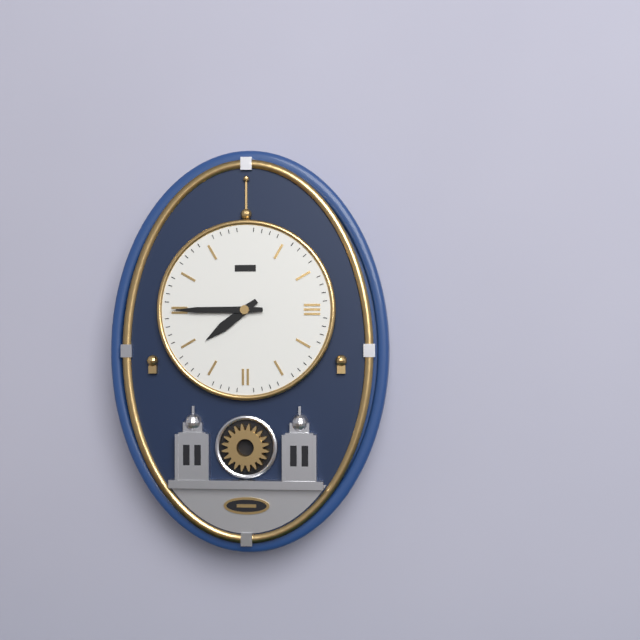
7.45
